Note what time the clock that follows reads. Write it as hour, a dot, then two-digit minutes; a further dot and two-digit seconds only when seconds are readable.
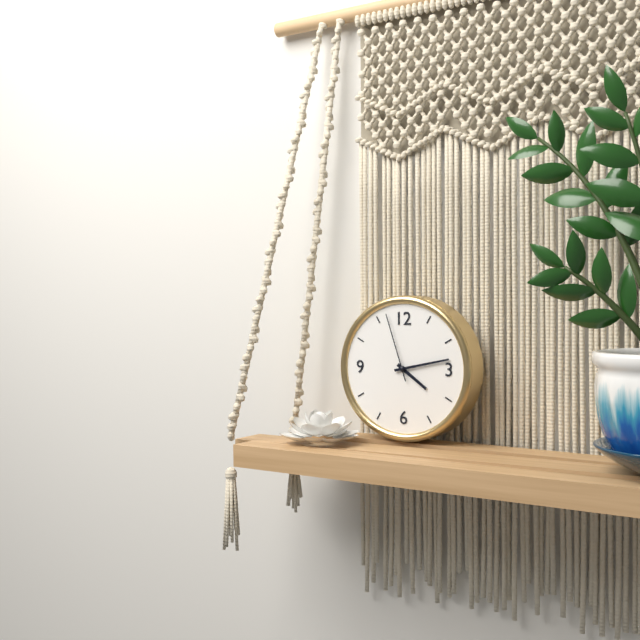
4.13.57
